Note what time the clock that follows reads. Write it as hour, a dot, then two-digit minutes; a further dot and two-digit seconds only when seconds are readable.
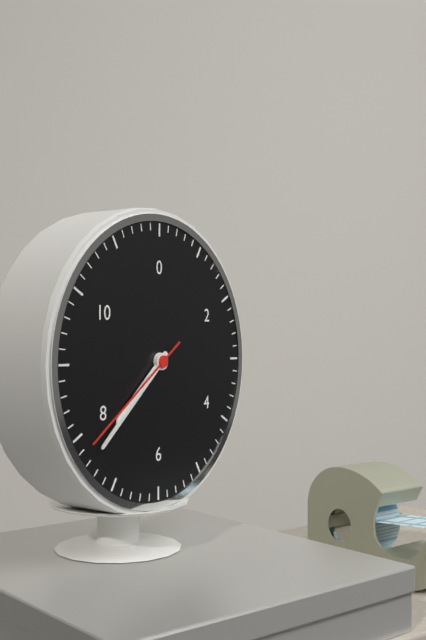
7.38.39
